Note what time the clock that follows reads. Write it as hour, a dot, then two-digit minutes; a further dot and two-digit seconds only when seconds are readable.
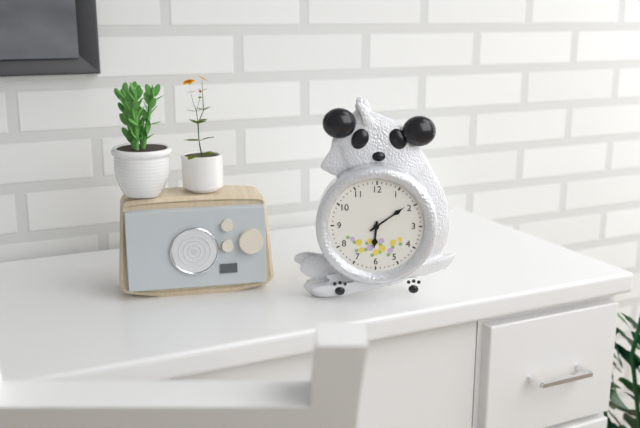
6.09
